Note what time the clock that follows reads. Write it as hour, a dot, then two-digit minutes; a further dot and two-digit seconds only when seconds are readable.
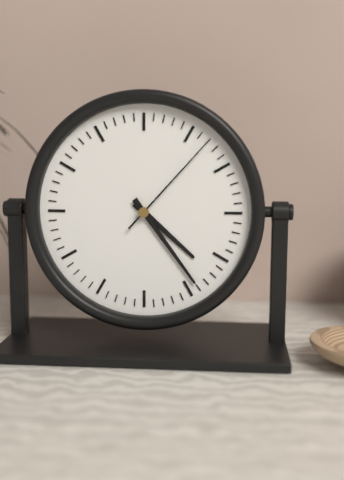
4.24.07
